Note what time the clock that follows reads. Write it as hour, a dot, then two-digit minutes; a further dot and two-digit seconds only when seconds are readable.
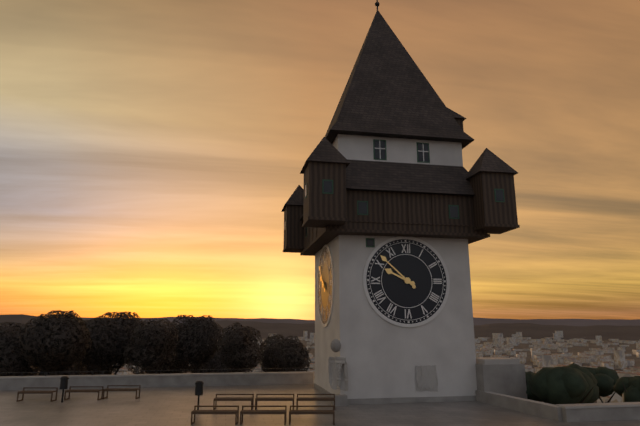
9.52
